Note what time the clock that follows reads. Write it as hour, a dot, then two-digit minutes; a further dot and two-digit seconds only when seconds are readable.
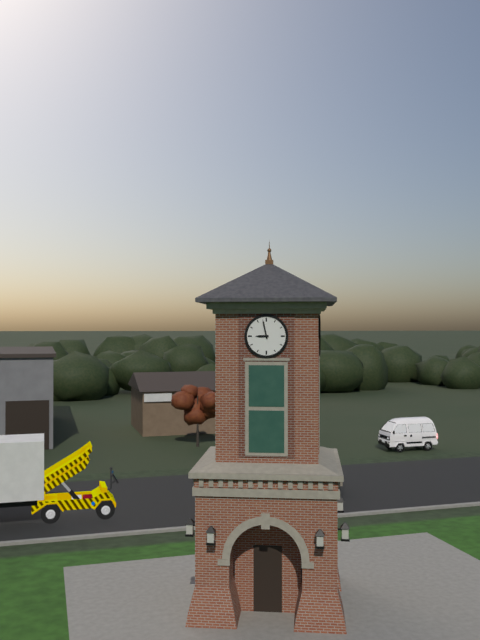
8.58
